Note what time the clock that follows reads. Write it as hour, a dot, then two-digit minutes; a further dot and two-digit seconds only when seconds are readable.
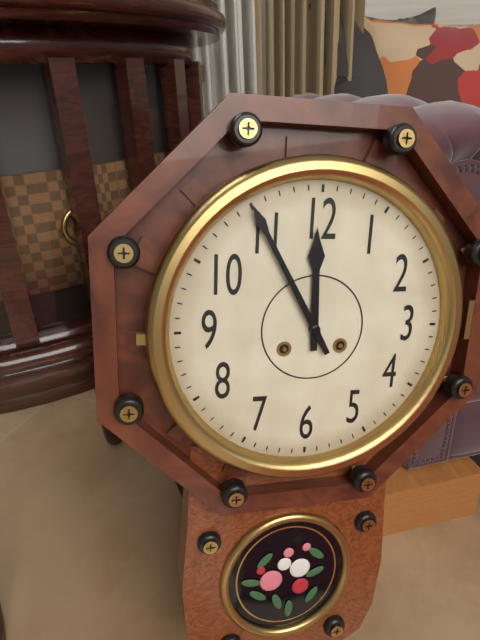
11.55
